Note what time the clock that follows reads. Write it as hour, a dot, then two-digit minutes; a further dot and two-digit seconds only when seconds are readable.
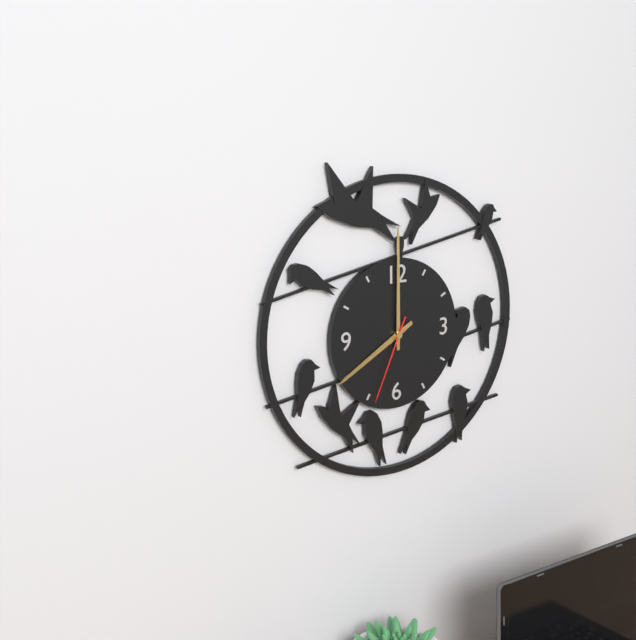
8.00.34
